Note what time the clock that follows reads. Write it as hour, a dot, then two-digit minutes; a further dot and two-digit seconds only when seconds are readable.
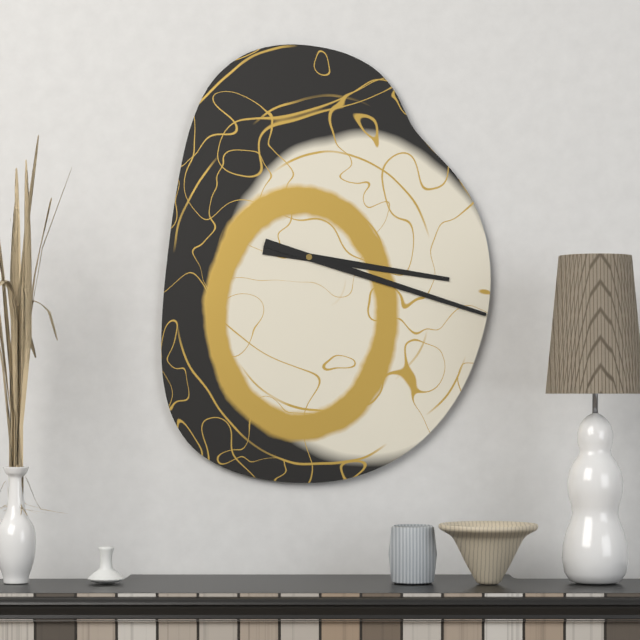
3.18
